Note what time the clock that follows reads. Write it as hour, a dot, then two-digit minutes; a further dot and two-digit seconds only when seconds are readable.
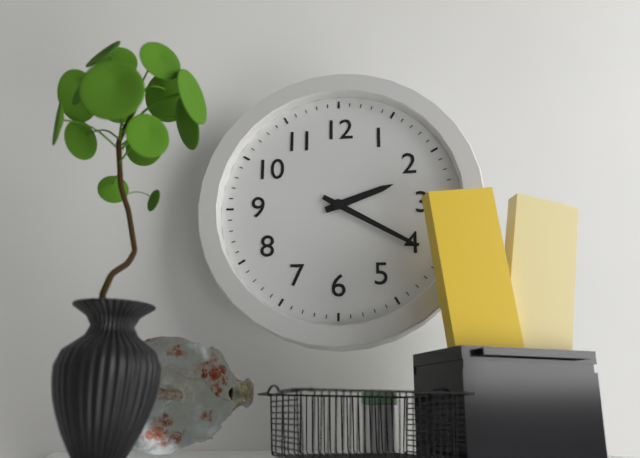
2.20
